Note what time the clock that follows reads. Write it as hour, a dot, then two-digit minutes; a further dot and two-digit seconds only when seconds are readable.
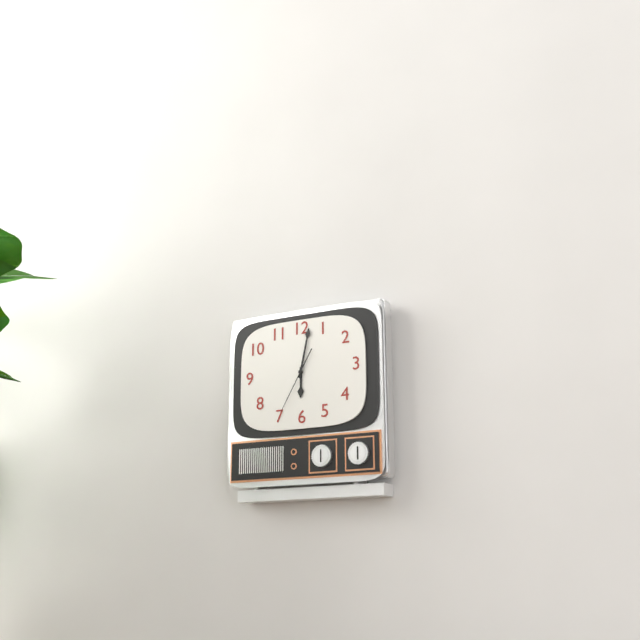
6.02.35
